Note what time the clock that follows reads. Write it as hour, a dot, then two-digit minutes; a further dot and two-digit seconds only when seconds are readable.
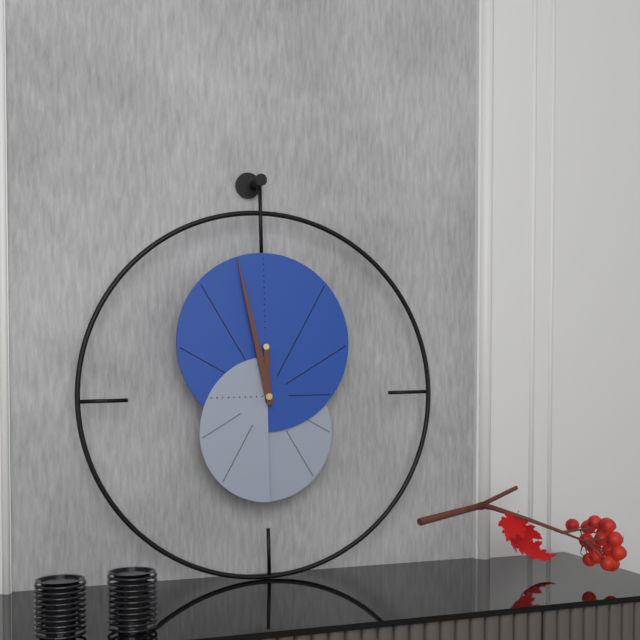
11.58
